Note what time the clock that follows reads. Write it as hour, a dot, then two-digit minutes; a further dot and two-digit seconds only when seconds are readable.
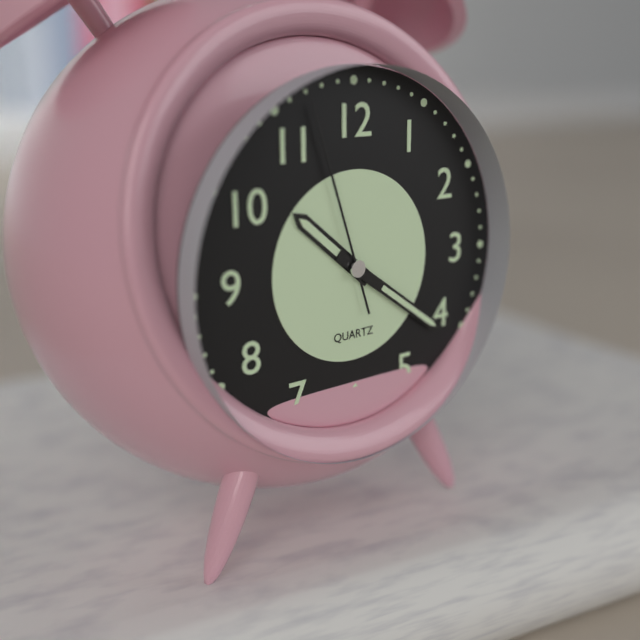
10.21.57
